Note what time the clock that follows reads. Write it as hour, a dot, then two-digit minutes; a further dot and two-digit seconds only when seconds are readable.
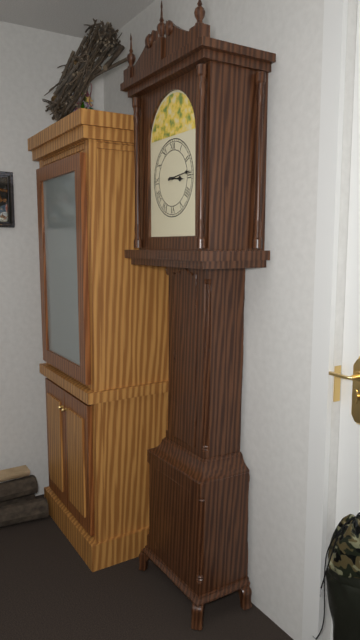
3.14
